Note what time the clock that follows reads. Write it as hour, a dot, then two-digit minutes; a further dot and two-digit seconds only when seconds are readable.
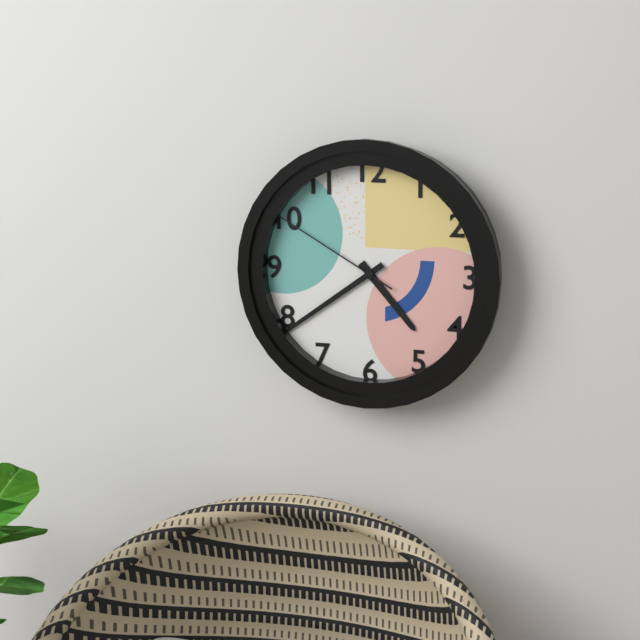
4.39.50
